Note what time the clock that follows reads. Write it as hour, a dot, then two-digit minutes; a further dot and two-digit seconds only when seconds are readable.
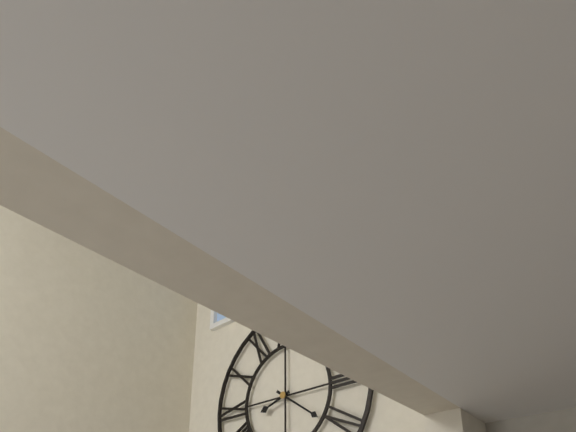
8.21
